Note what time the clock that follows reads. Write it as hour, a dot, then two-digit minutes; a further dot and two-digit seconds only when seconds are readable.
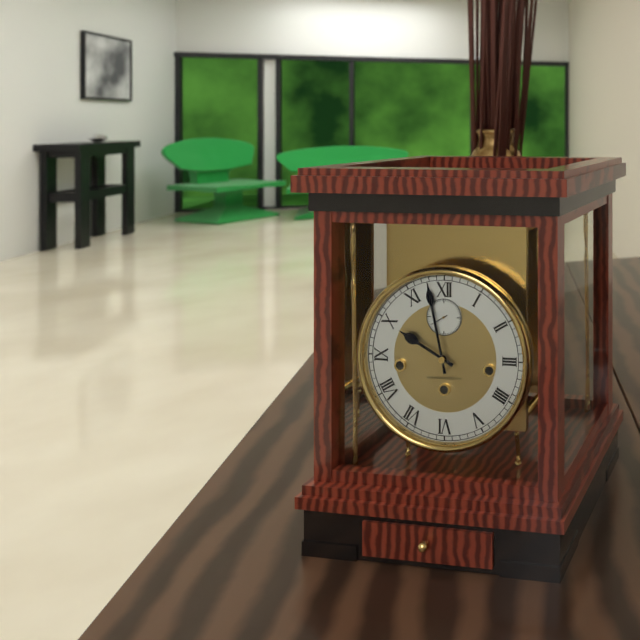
9.58
